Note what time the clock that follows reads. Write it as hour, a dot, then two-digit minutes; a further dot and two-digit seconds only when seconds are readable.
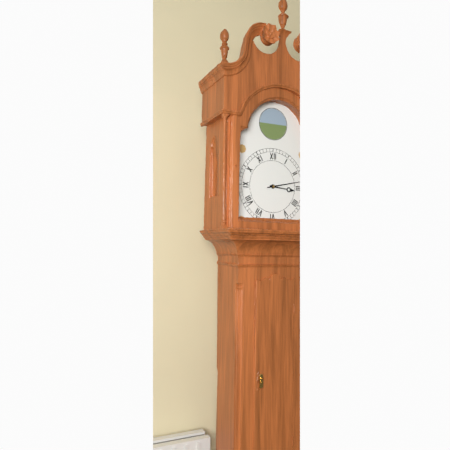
3.13
